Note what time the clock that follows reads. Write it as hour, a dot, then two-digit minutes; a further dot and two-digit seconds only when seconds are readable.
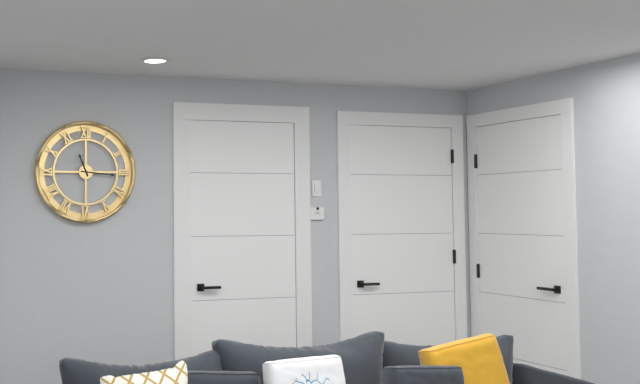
11.16
